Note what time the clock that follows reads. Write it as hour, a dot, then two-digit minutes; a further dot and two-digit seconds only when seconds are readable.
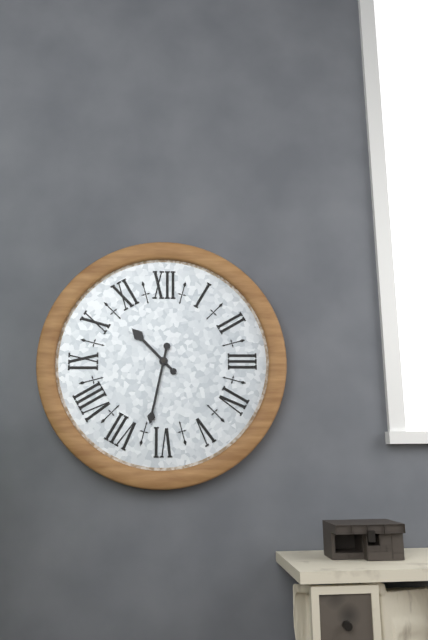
10.32
